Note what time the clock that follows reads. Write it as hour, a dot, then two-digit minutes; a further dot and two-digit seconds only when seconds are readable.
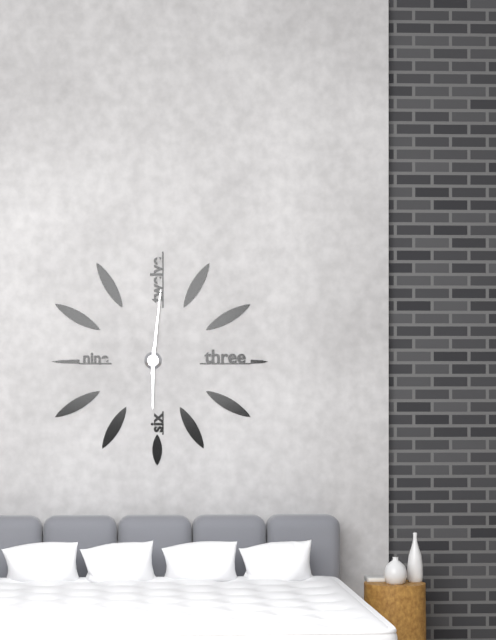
6.01
